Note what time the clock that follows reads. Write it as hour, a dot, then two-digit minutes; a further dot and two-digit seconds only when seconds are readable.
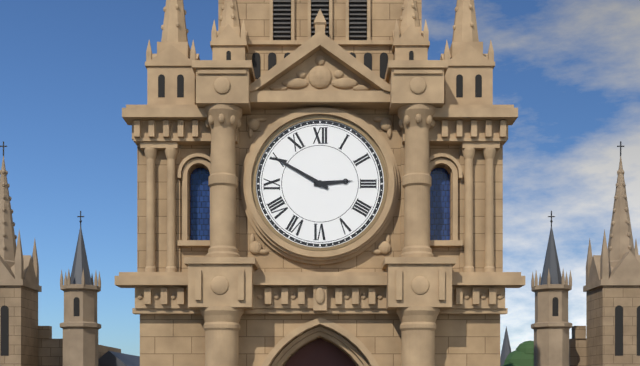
2.50
